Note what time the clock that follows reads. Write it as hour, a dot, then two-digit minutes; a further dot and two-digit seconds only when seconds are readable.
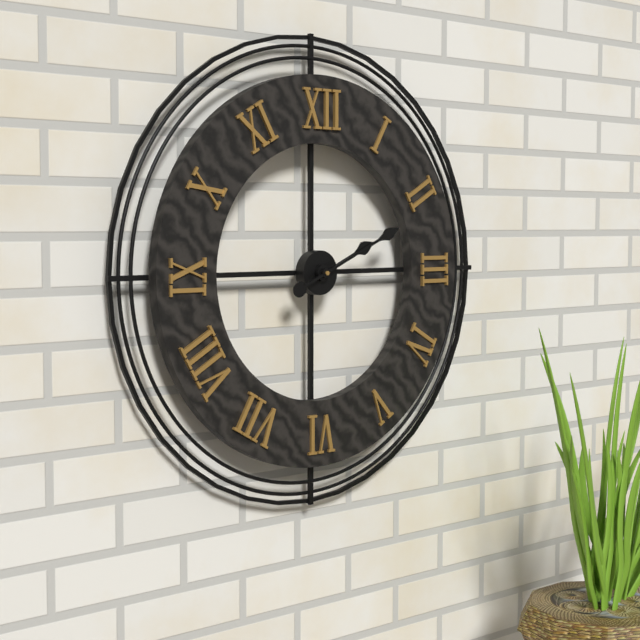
2.11
